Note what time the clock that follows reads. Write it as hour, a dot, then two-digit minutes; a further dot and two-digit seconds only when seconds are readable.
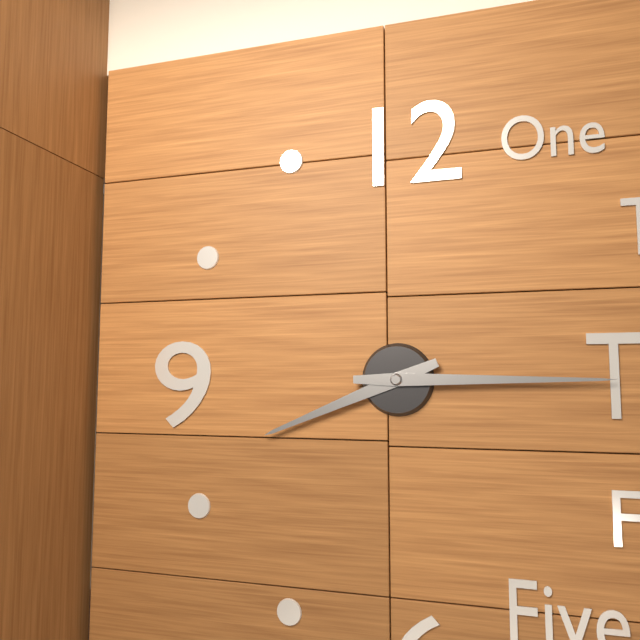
8.15
